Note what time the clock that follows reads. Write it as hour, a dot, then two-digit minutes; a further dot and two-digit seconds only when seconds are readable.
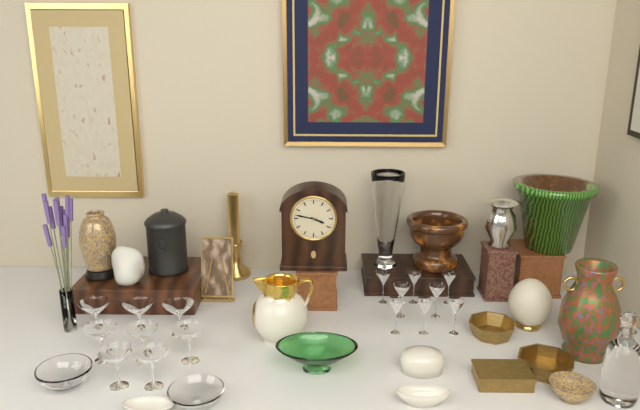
3.47
